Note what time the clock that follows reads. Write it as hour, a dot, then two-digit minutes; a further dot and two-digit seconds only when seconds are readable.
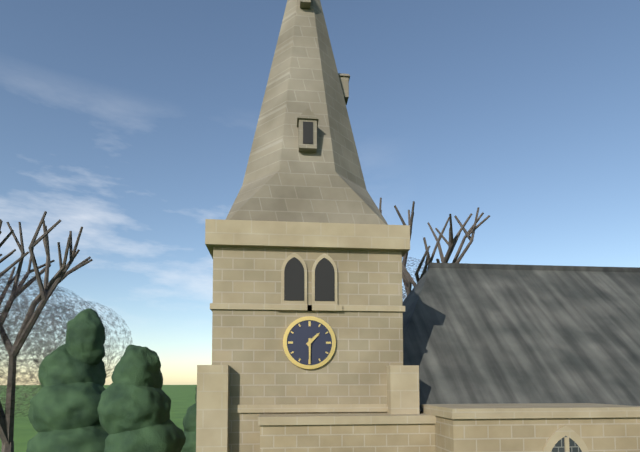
1.30
